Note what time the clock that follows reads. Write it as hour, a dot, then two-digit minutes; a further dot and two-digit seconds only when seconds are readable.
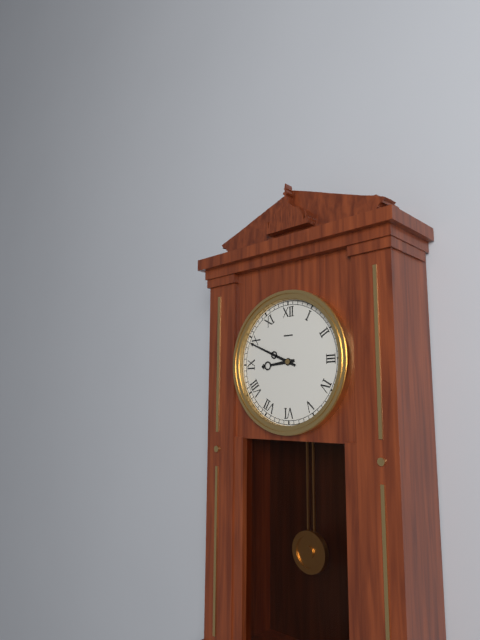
8.49
